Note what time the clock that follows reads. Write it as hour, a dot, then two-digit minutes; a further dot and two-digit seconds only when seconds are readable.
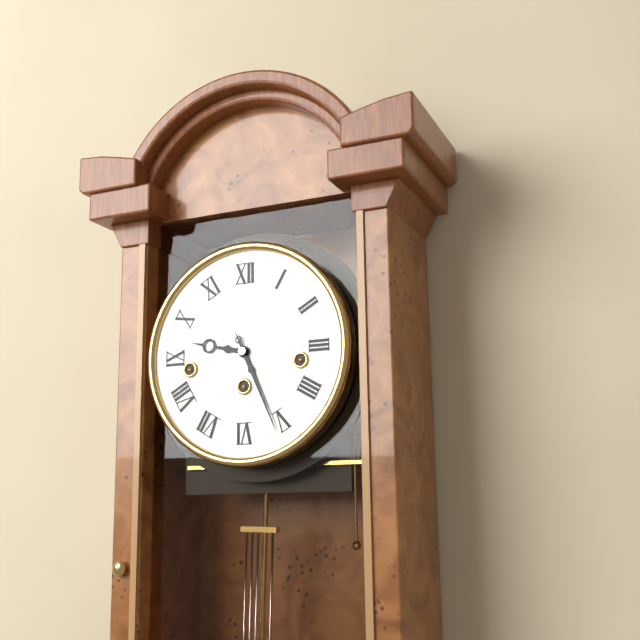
9.26
